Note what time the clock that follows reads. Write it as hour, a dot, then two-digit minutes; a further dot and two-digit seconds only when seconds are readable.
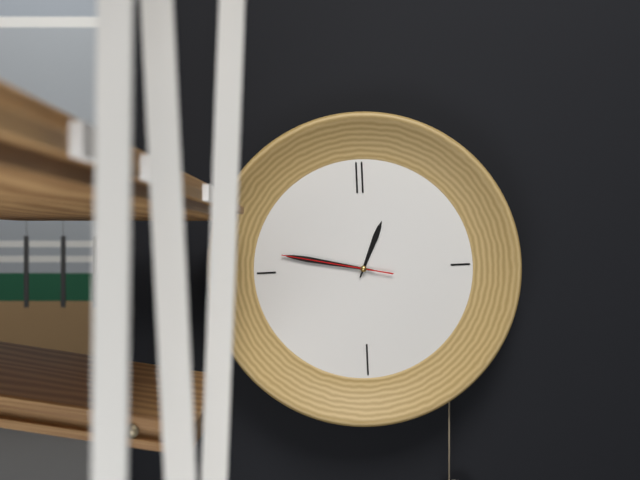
12.47.47
